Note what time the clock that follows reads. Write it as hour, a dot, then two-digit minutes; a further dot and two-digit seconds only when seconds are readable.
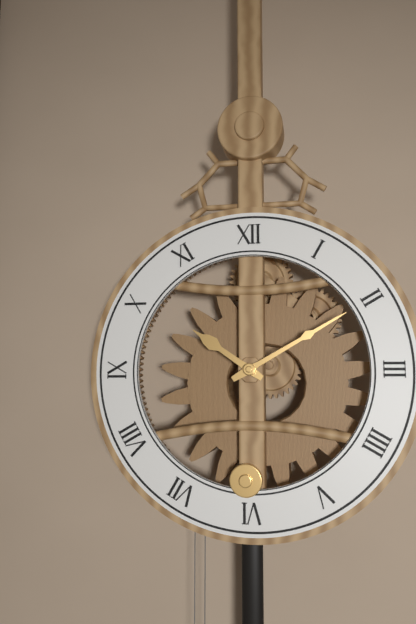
10.10
